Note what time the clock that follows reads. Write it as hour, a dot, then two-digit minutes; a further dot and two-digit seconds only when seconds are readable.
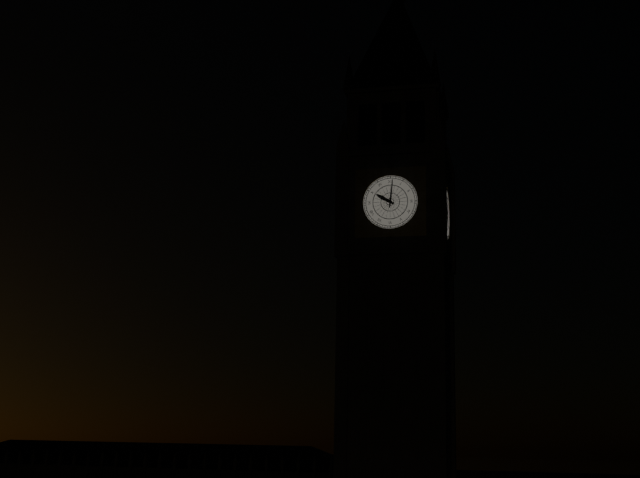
10.01
